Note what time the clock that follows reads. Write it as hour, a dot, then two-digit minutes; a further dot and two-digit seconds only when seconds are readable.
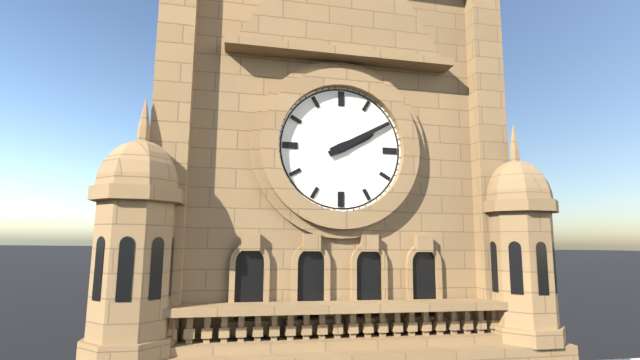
2.10
